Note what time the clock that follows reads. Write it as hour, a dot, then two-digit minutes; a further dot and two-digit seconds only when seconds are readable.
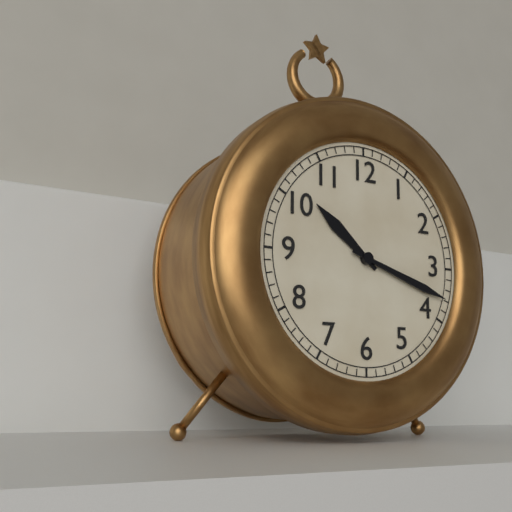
10.18
